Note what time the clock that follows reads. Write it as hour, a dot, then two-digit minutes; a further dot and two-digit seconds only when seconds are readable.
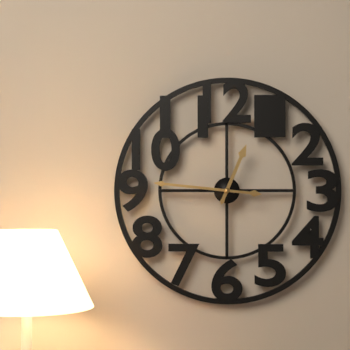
12.46
